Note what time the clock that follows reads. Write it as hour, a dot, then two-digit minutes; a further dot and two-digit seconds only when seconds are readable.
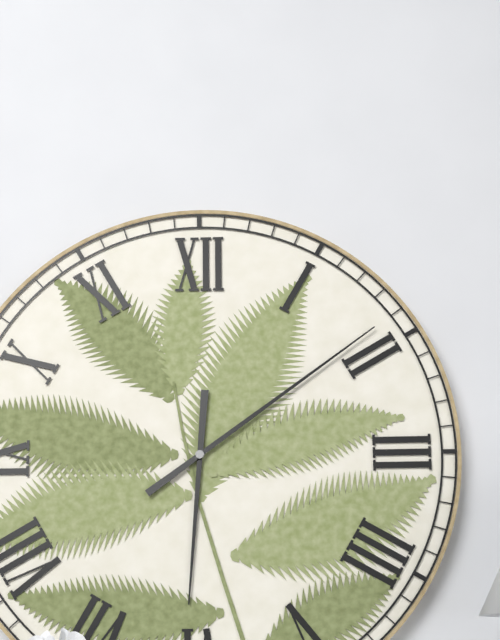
6.09
